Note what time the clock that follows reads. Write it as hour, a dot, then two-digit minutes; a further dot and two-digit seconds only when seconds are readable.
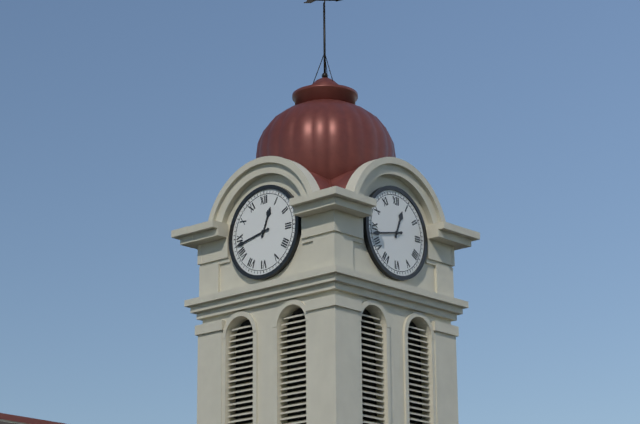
12.43
